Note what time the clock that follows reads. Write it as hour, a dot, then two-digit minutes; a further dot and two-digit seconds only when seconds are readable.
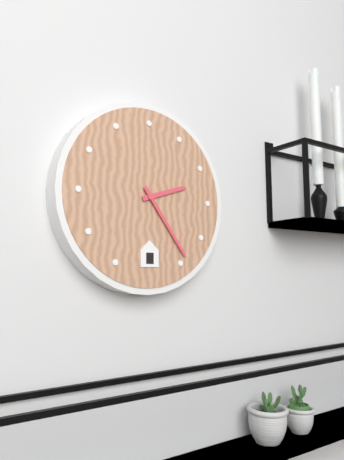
2.24
